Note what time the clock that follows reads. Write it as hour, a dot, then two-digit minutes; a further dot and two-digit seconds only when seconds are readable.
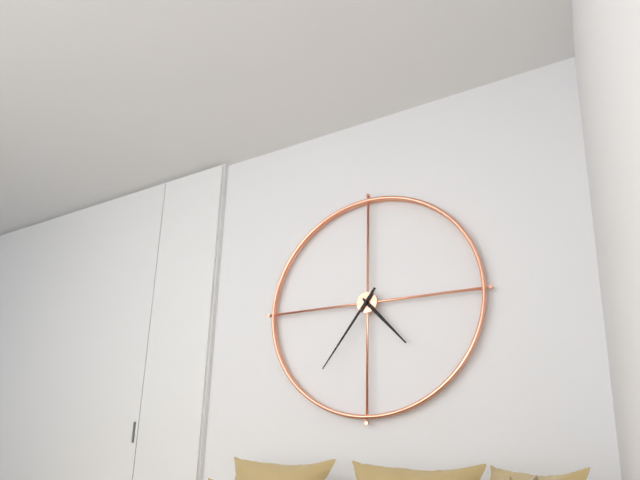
4.36
